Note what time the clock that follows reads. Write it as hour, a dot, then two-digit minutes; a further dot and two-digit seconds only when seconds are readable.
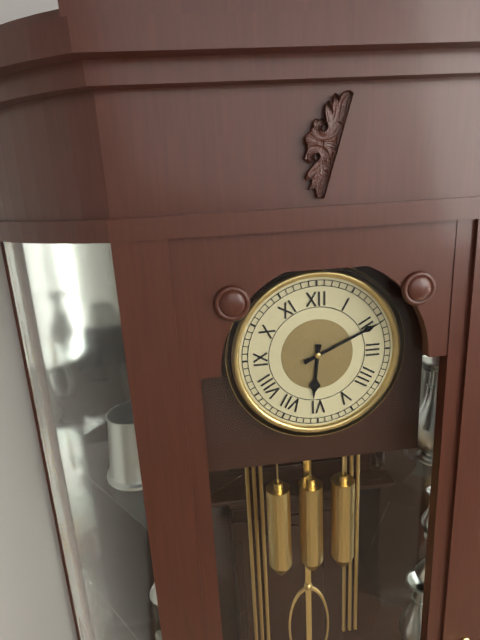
6.11
